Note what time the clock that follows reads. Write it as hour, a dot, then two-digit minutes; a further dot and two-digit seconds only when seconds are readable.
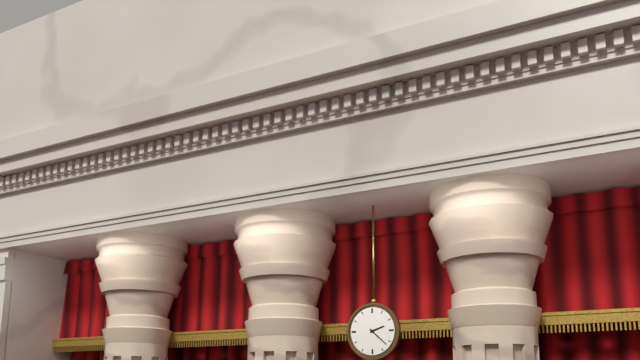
2.22
